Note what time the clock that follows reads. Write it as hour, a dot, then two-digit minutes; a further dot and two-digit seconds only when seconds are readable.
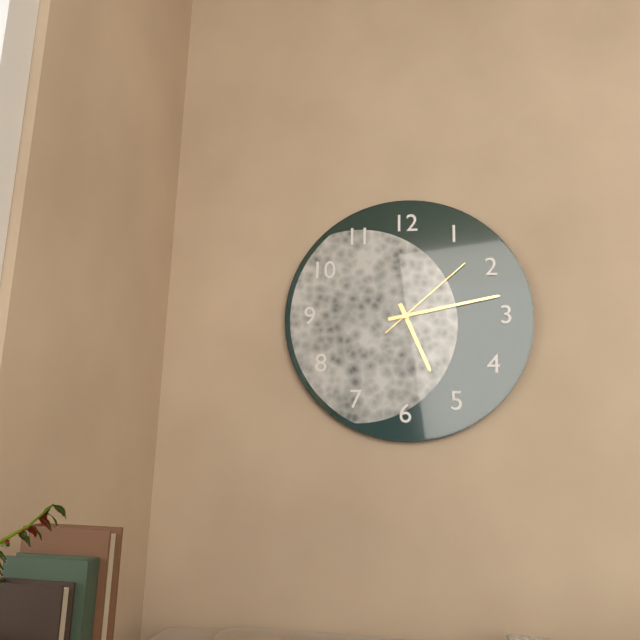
5.13.08
